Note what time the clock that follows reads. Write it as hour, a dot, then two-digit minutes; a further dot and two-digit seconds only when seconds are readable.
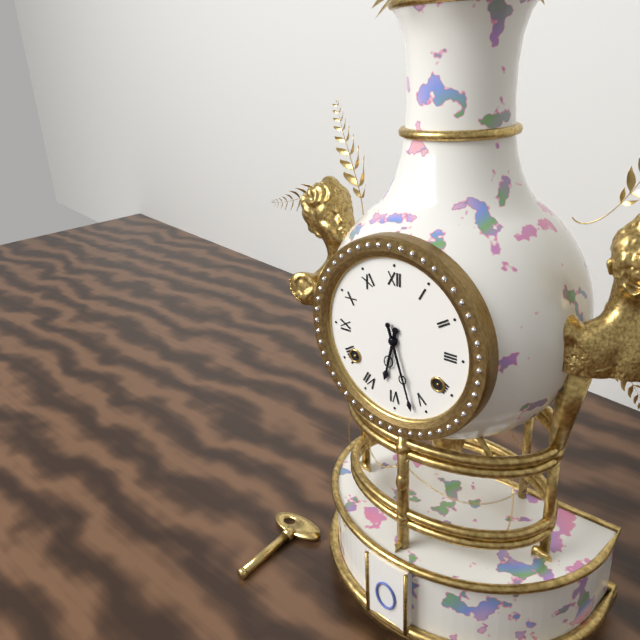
6.27
